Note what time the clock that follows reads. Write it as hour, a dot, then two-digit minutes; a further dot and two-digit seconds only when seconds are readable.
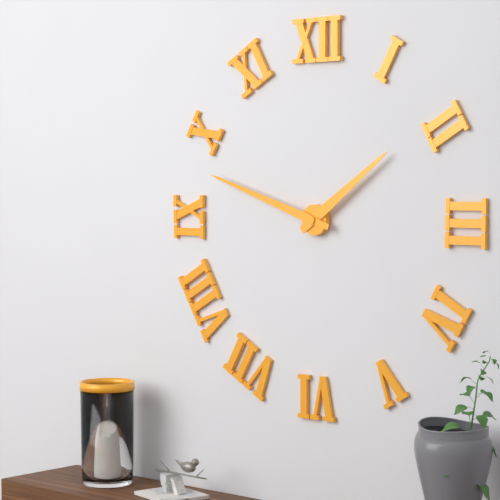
1.48
